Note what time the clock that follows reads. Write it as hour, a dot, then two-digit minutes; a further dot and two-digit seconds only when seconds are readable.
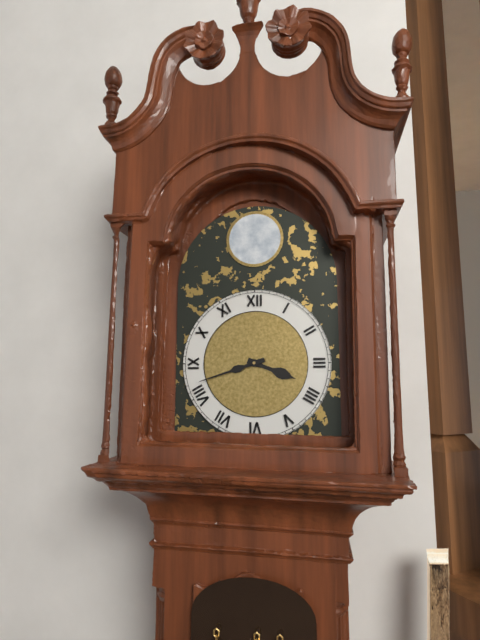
3.42
